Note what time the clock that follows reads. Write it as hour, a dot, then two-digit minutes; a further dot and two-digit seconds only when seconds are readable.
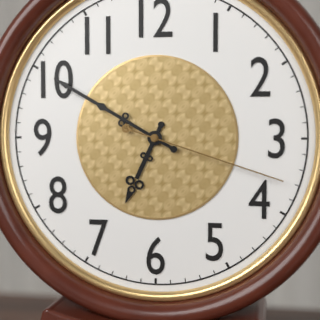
6.50.18
